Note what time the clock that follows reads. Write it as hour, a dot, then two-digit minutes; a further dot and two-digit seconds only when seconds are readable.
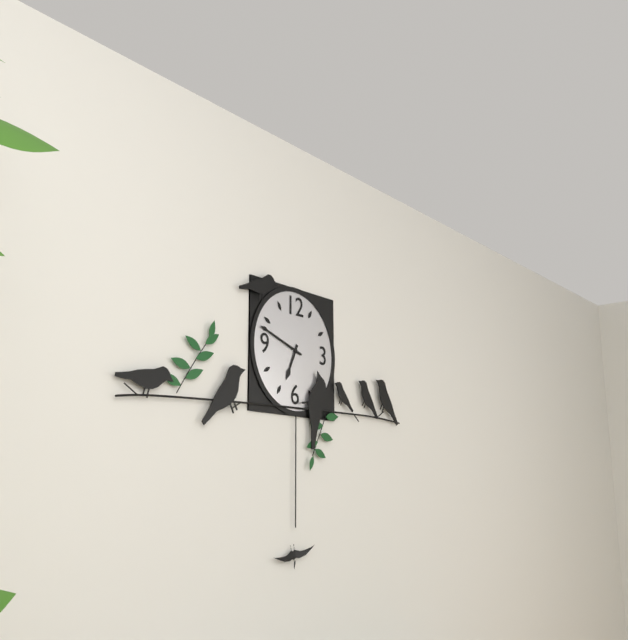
6.48
